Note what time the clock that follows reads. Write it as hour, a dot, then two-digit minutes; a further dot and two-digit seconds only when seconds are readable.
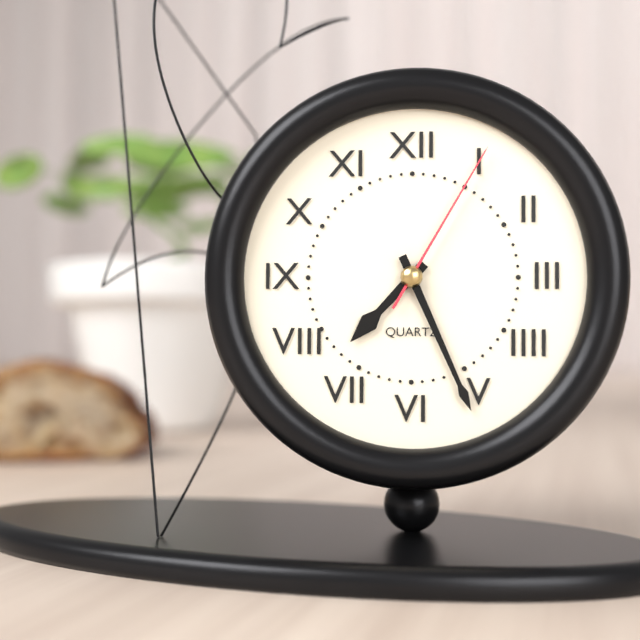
7.26.05
